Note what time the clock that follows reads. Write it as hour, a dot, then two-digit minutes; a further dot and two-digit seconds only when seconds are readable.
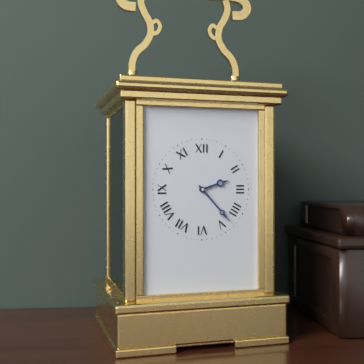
2.23
